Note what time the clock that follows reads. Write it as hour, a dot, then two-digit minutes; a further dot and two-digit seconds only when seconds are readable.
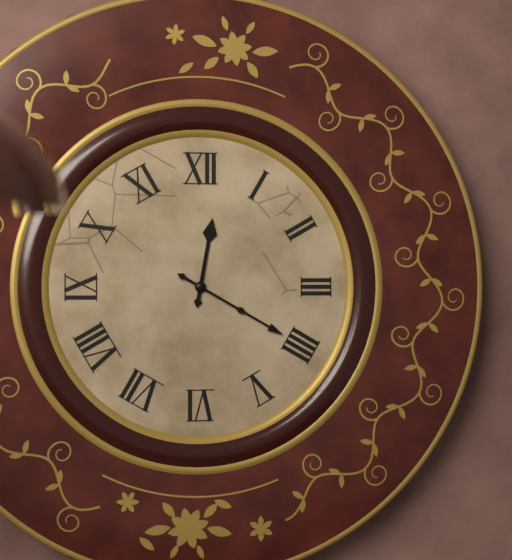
12.20
